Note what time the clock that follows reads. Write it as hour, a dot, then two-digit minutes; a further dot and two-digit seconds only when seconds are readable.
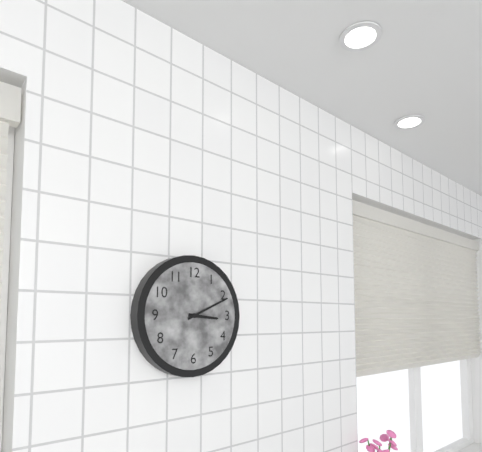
3.11
